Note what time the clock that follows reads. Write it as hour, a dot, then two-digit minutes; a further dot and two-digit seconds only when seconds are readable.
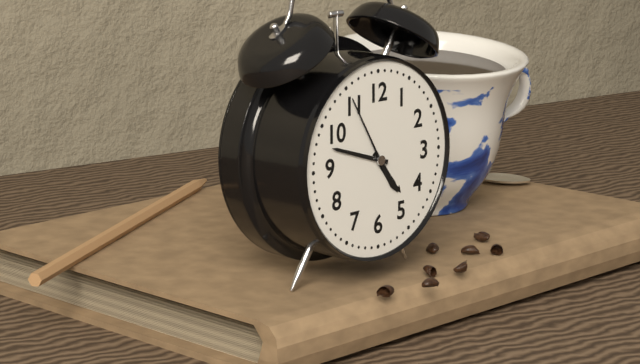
4.48.55
